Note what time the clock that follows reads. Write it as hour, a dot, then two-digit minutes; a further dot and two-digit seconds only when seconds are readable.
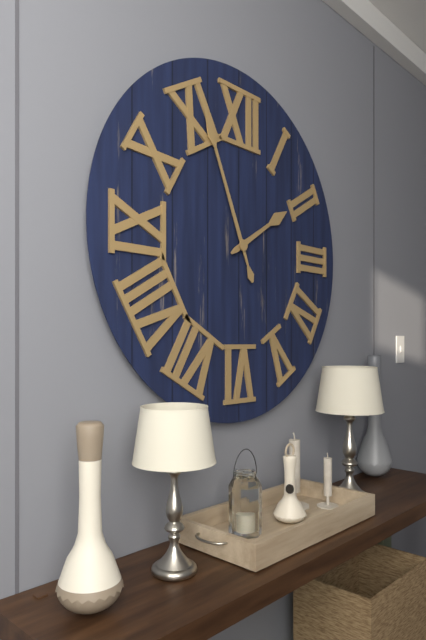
1.56
